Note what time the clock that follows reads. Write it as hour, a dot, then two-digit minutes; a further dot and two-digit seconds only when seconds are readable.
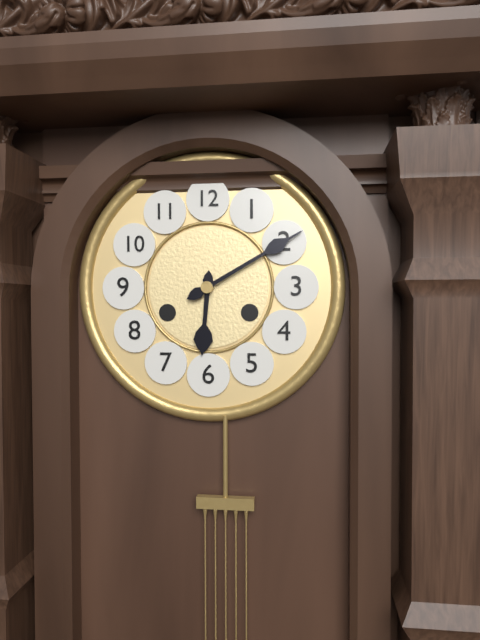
6.10
